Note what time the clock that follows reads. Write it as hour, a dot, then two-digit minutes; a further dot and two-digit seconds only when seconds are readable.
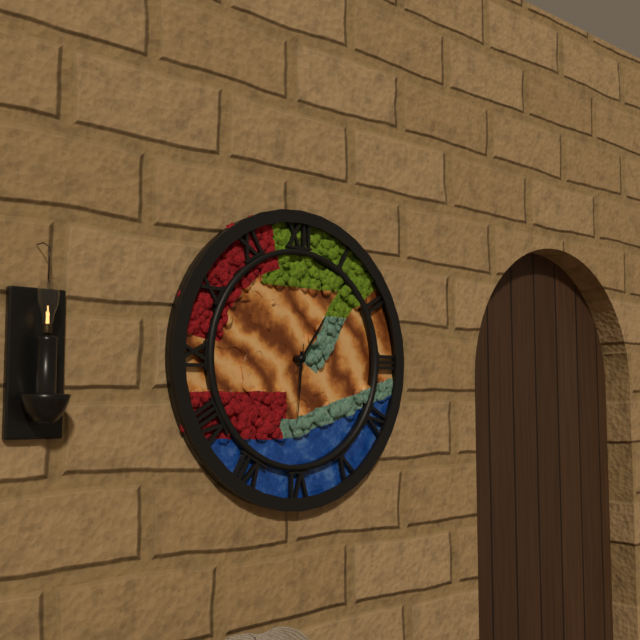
6.06.31
